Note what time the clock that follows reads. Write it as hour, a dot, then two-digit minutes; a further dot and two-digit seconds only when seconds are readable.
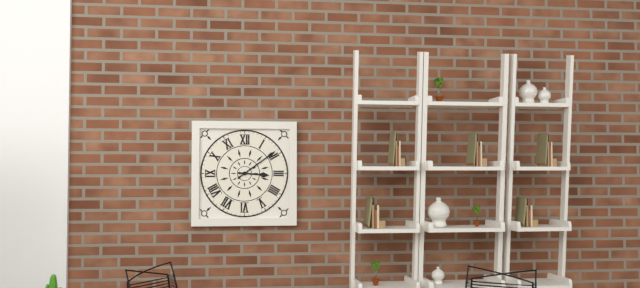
3.09
